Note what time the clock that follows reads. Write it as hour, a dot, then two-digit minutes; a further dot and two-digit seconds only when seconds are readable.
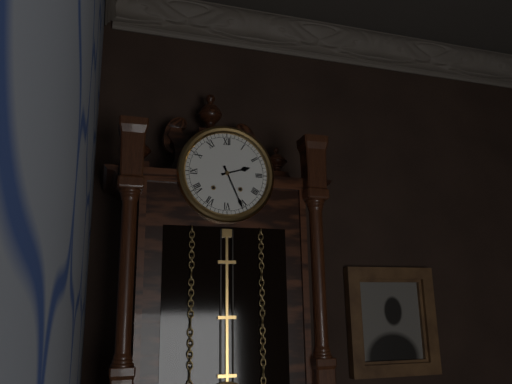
2.26
